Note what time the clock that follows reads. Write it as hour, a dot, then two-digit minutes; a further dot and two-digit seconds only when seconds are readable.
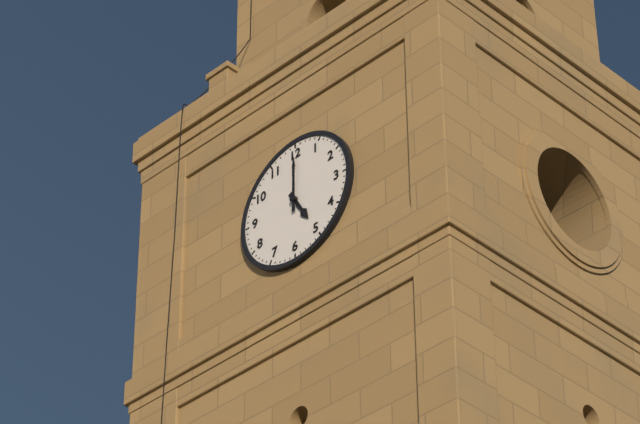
5.00
